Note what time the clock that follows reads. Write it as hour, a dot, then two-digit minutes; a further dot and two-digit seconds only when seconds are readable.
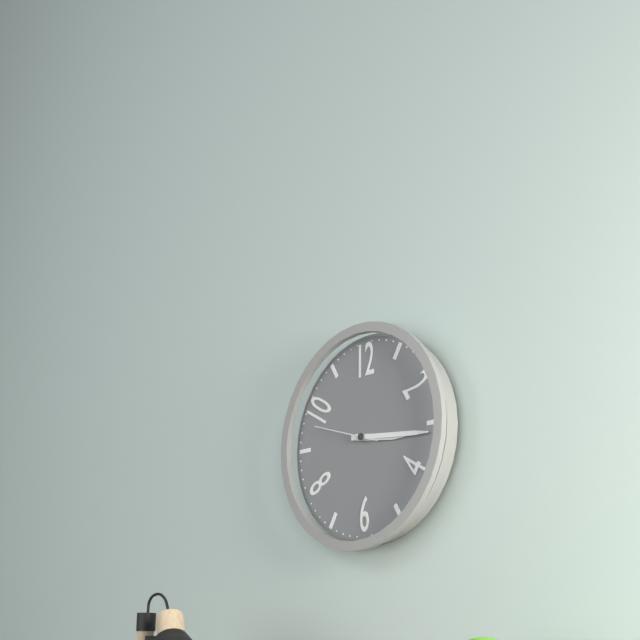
3.16.48
